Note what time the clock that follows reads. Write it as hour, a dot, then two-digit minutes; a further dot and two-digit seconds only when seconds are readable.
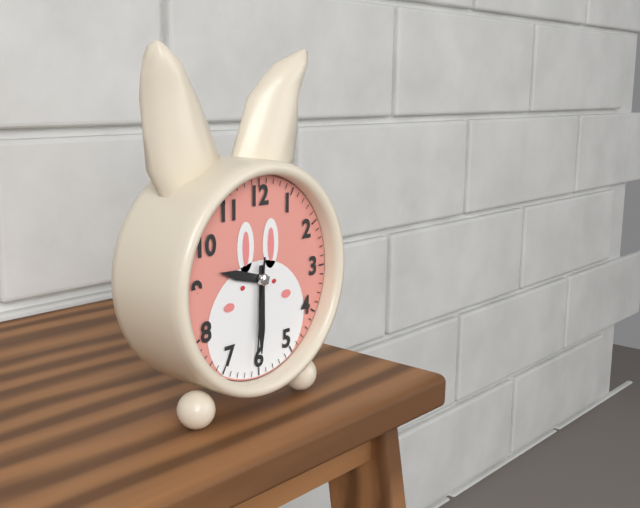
9.30.31
